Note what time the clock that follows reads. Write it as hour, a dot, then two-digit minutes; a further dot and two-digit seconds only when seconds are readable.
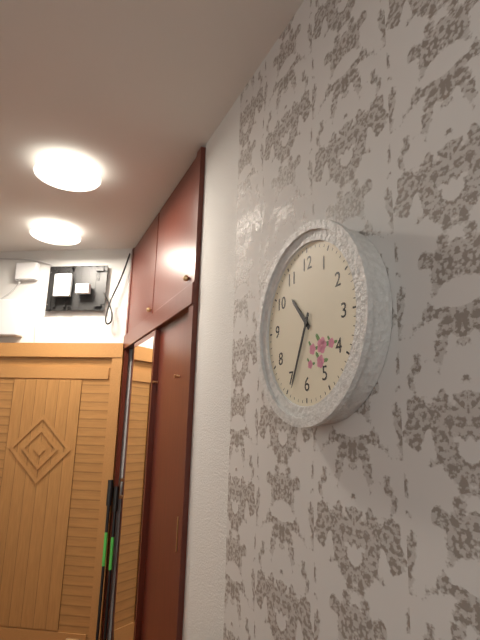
10.34
